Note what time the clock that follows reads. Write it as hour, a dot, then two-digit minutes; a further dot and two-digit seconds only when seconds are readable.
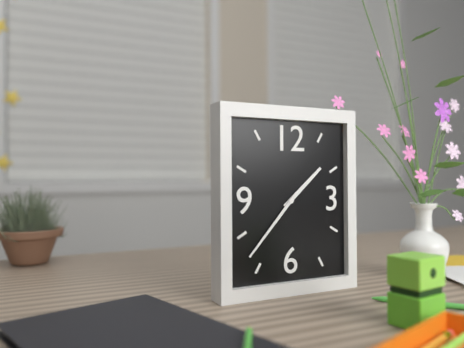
1.37
